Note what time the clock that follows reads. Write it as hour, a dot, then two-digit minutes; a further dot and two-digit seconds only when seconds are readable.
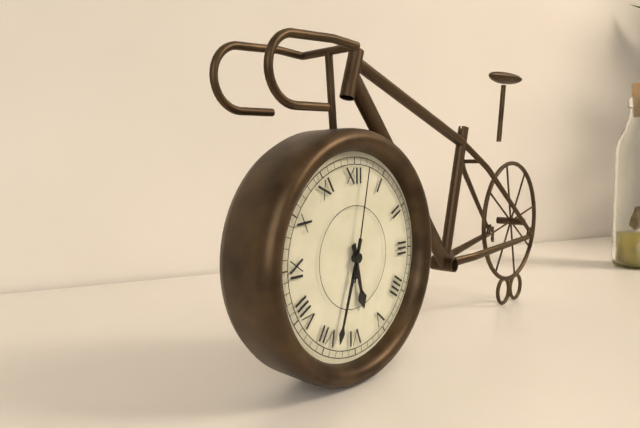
5.33.02
